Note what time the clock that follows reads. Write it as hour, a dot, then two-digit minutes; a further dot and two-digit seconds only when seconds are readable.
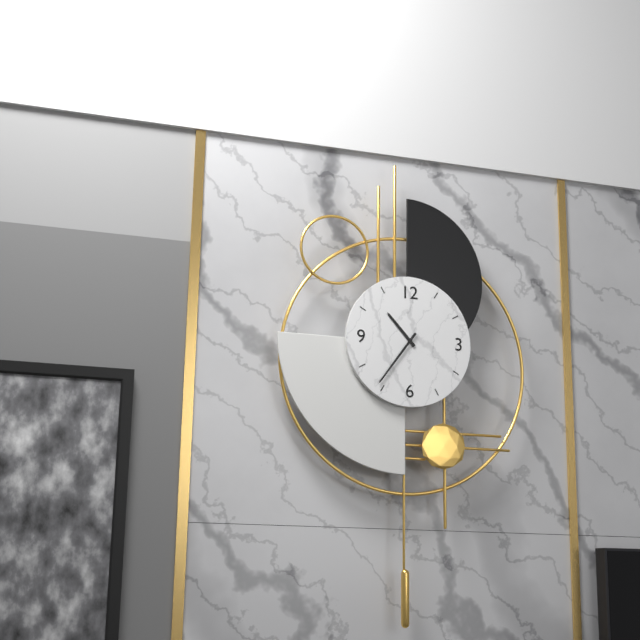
10.36
